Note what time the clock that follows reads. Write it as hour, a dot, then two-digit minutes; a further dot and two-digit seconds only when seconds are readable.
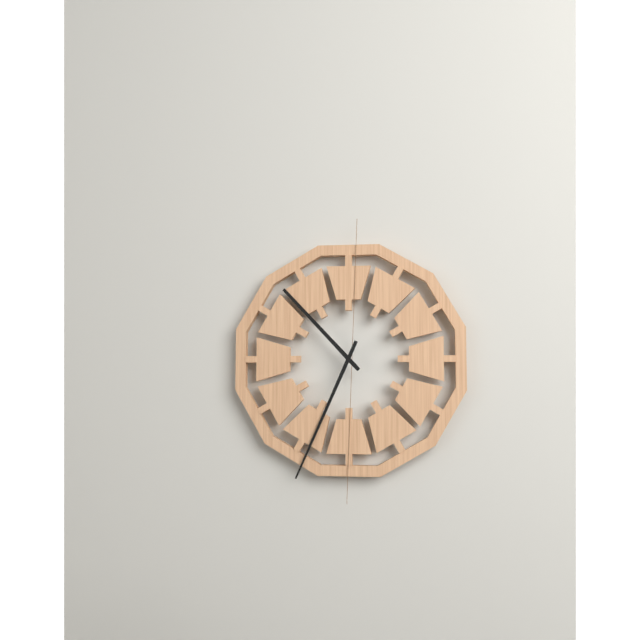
10.34
